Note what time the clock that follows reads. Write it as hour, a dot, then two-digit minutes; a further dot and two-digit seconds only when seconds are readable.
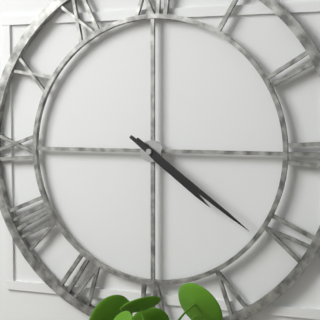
4.21
